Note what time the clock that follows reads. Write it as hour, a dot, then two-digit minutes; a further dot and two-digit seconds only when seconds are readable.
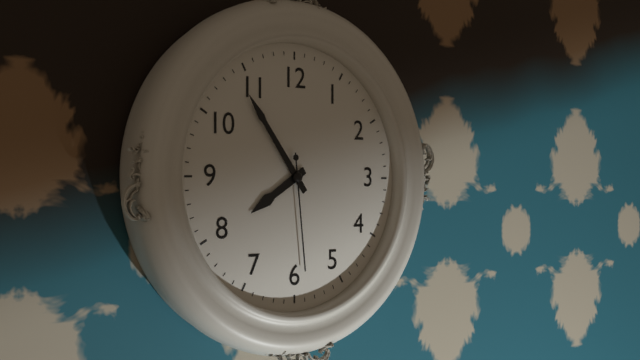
7.54.29
